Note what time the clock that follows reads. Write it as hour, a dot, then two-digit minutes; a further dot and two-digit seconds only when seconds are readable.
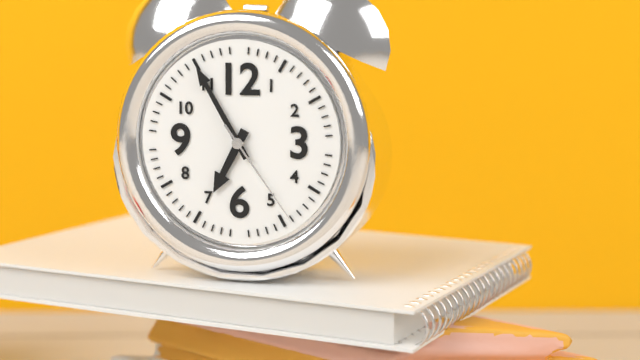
6.55.24
